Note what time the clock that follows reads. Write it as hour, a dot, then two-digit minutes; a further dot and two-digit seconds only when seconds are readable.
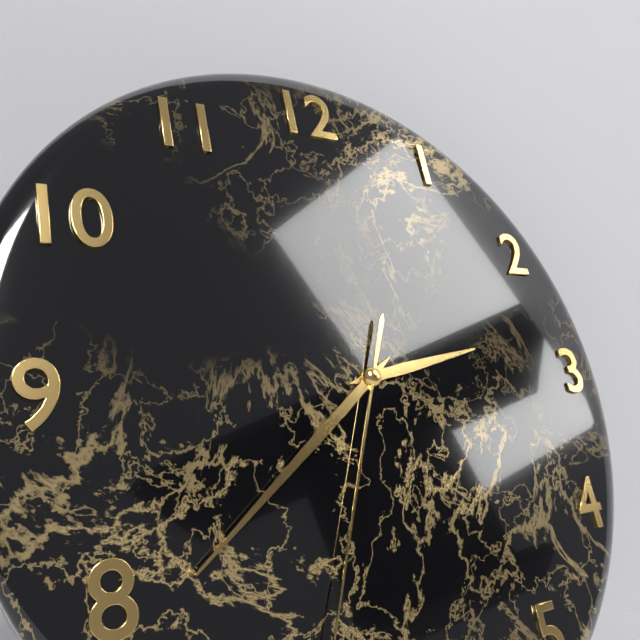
2.39
